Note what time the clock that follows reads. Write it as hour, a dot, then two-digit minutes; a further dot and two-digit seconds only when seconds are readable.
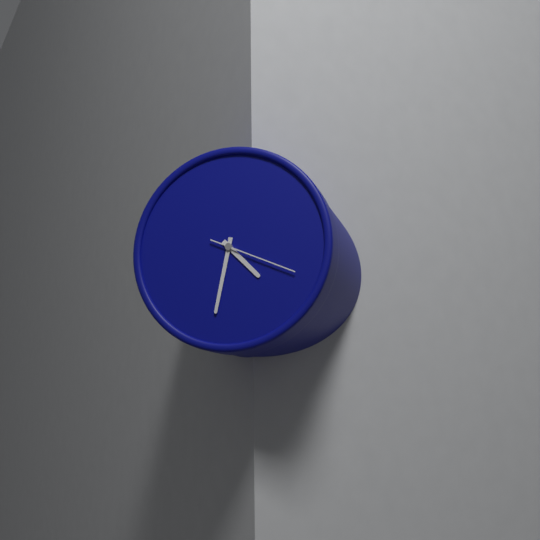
4.32.19
